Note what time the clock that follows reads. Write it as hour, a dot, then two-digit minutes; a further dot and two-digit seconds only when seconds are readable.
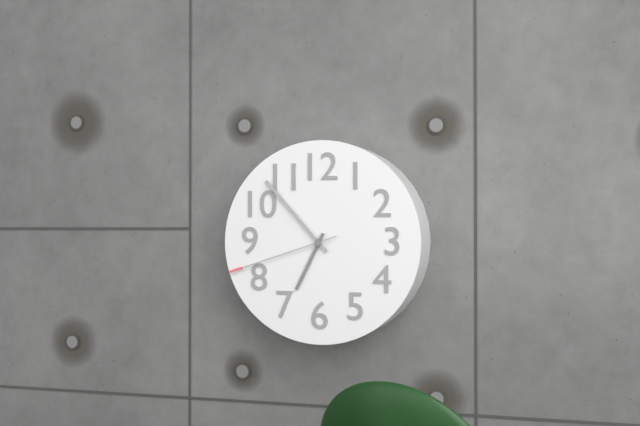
6.53.42
